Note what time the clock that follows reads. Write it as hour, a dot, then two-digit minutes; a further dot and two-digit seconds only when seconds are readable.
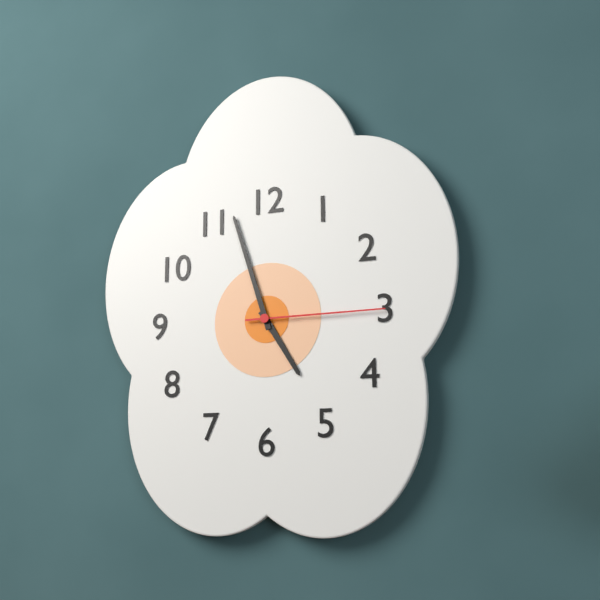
4.57.15
